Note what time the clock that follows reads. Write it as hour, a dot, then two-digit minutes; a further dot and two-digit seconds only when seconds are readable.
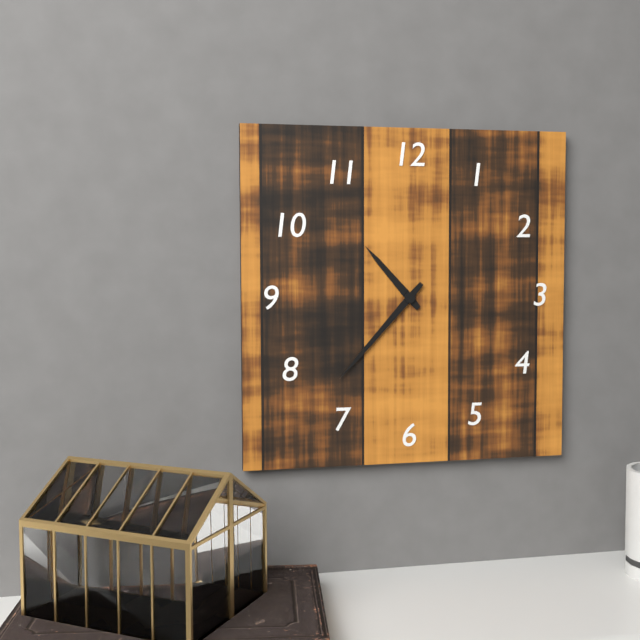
10.37
